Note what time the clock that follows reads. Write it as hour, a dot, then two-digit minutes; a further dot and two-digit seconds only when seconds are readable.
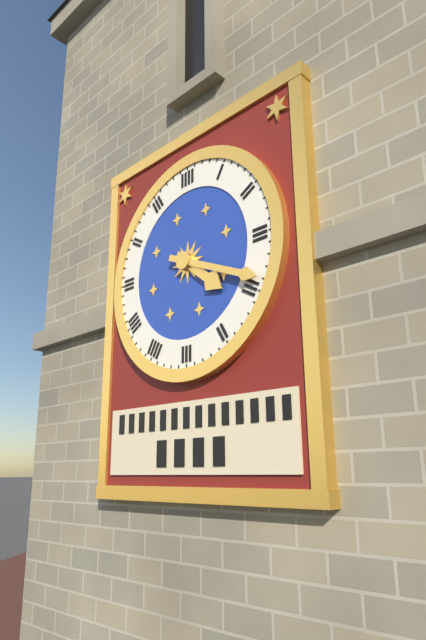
4.19
